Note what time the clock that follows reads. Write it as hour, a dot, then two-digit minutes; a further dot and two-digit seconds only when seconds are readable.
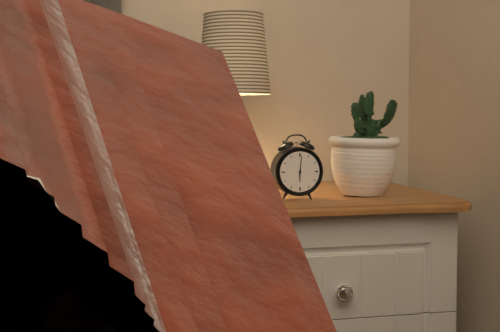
6.01
